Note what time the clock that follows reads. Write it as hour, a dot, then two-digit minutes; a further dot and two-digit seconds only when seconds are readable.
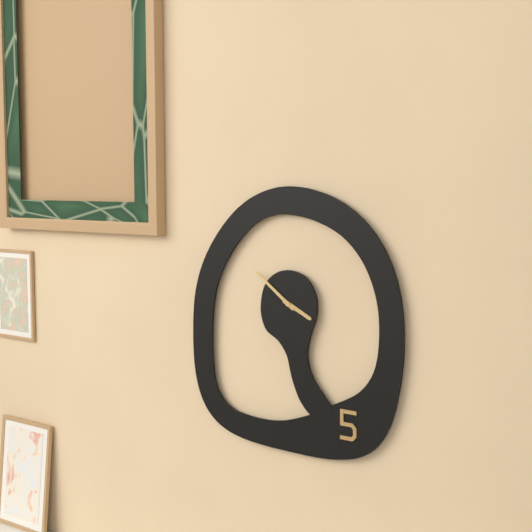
3.51
